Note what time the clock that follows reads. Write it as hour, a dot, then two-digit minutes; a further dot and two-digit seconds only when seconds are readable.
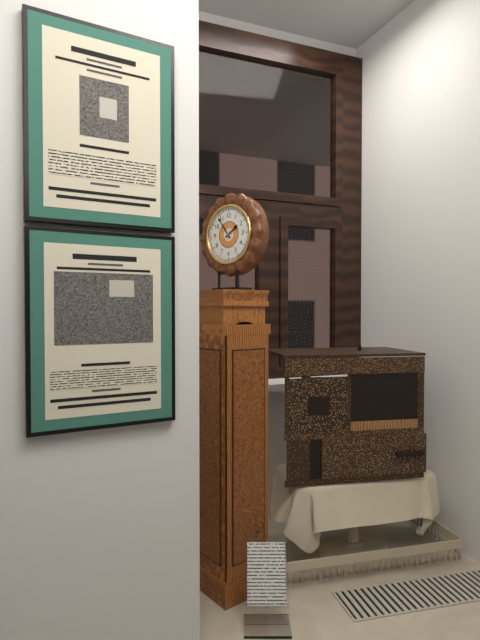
1.54
